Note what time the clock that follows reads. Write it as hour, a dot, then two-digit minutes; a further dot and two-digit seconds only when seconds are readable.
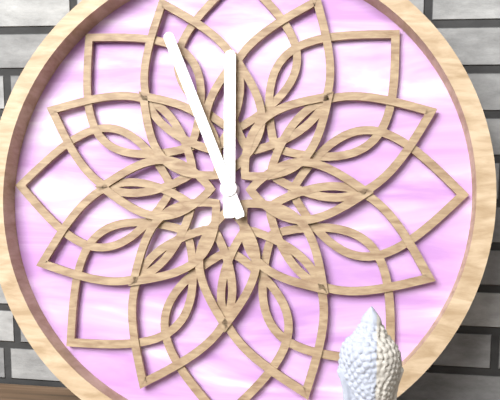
11.56
